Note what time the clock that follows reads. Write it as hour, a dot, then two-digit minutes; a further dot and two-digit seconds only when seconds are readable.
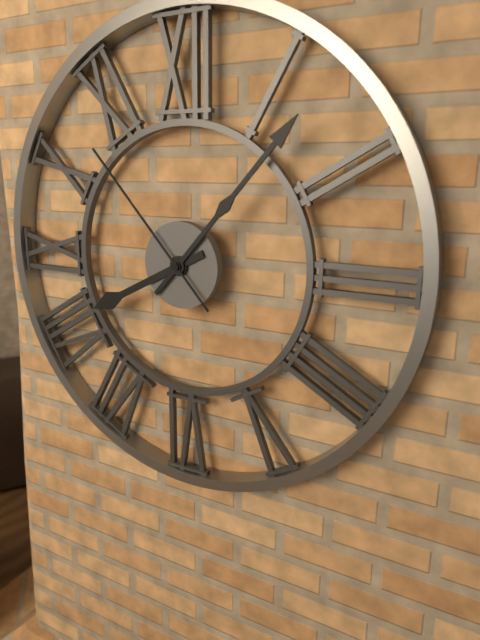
8.07.53
